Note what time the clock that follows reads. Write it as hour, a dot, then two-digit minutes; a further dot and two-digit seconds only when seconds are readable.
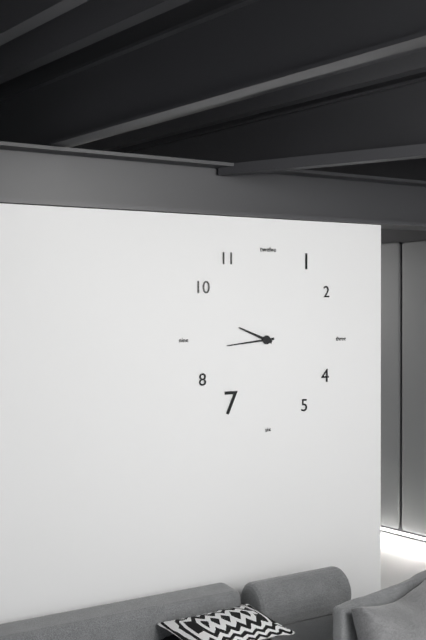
9.44
